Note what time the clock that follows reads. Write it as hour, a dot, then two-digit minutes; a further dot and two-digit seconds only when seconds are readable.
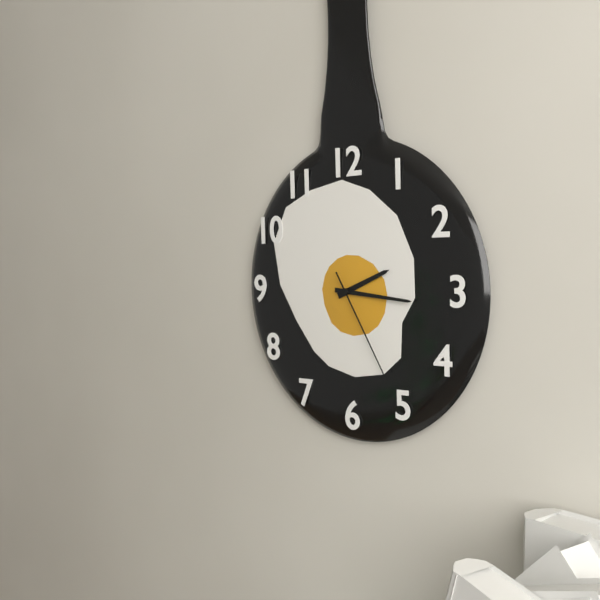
2.16.25
